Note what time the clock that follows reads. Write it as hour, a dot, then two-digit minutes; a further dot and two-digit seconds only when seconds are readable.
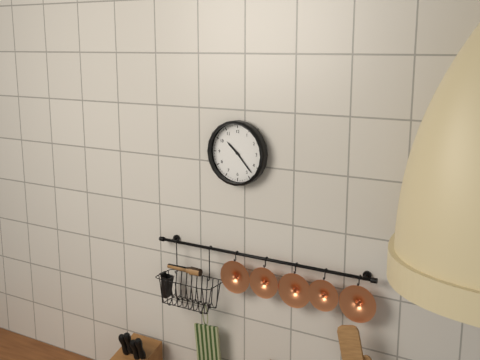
10.23
